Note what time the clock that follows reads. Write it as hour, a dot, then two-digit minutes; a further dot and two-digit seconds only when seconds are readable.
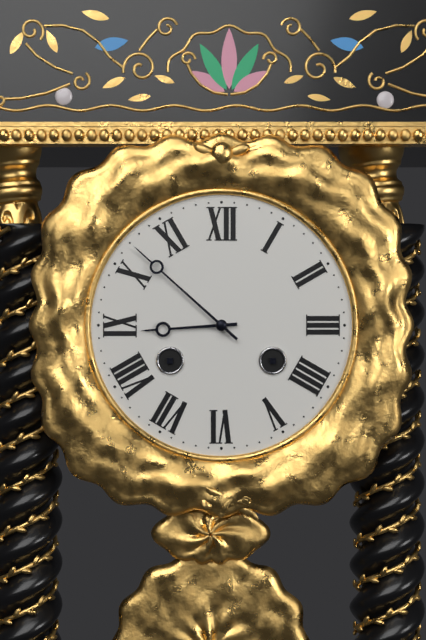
8.52
